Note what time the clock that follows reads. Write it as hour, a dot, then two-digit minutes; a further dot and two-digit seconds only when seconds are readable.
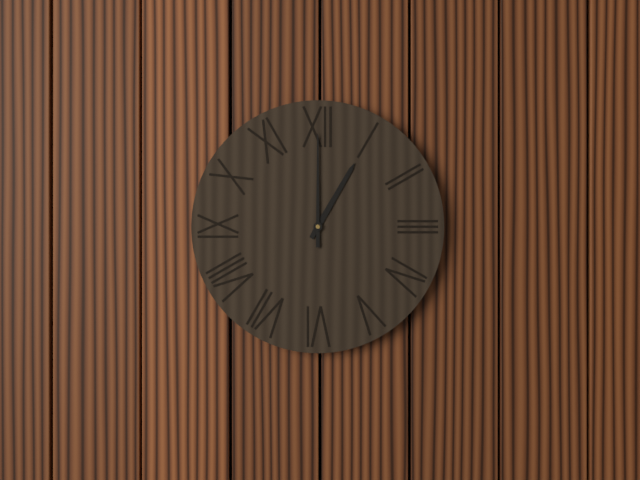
1.00
